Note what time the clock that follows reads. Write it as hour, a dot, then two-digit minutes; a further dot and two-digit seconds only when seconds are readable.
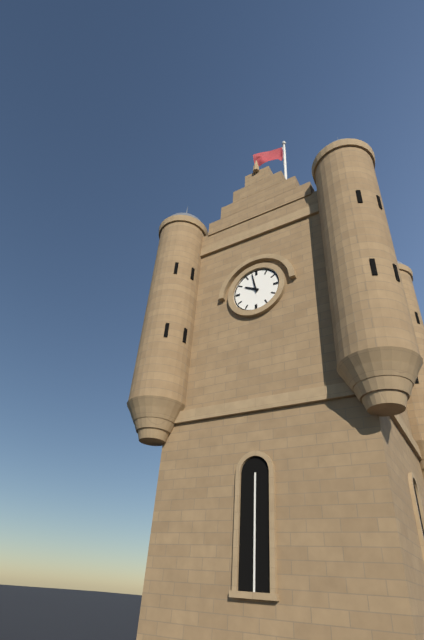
9.58
